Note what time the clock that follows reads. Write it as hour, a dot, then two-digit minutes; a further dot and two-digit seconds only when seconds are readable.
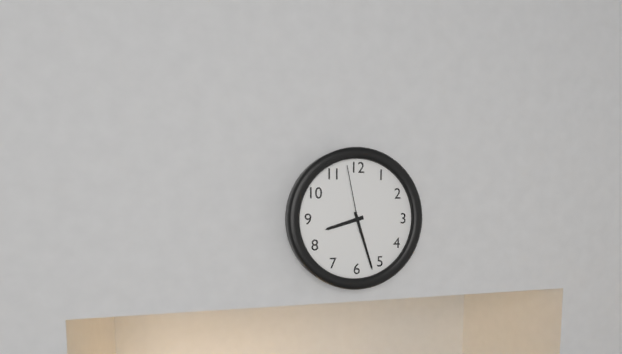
8.27.58
